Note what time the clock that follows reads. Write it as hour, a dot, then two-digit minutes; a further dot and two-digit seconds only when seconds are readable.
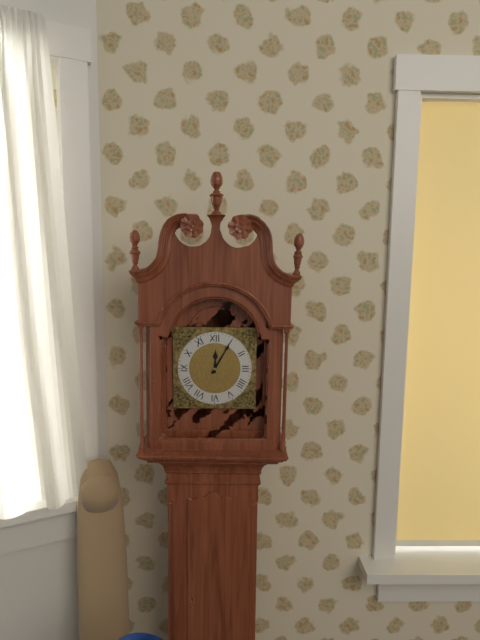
12.05
